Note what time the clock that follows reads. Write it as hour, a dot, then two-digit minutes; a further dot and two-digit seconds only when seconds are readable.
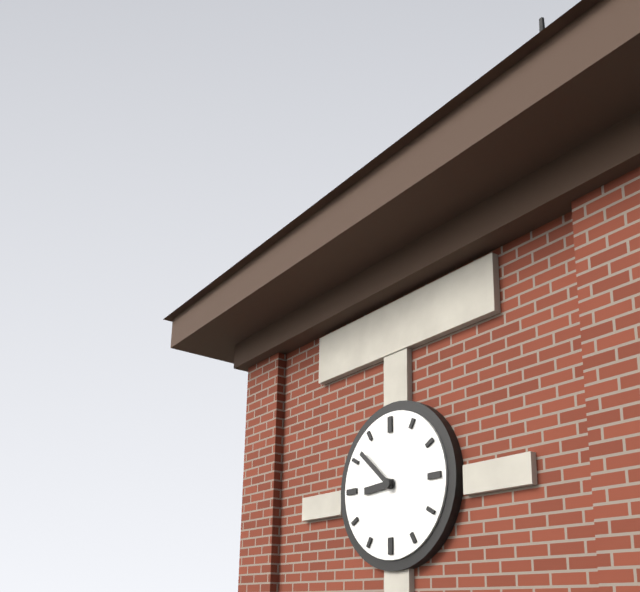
8.52
